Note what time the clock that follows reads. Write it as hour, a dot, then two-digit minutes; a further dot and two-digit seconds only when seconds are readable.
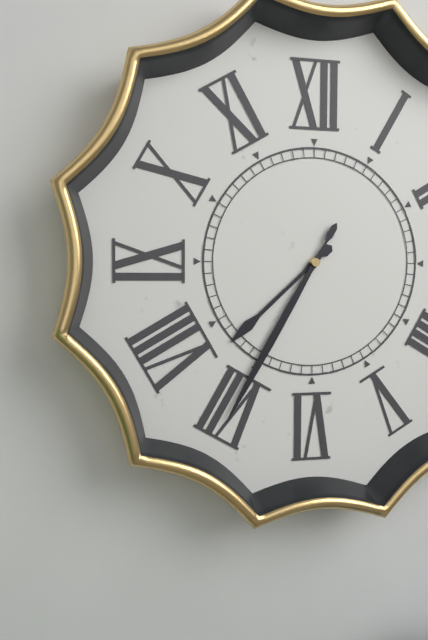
7.35
